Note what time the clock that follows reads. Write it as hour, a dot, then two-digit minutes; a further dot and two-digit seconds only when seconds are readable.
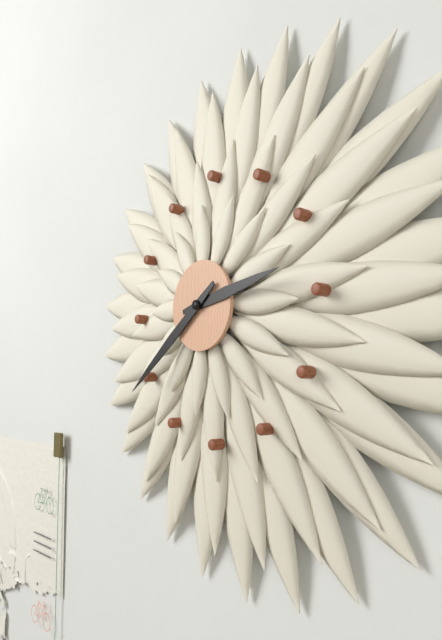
2.39
